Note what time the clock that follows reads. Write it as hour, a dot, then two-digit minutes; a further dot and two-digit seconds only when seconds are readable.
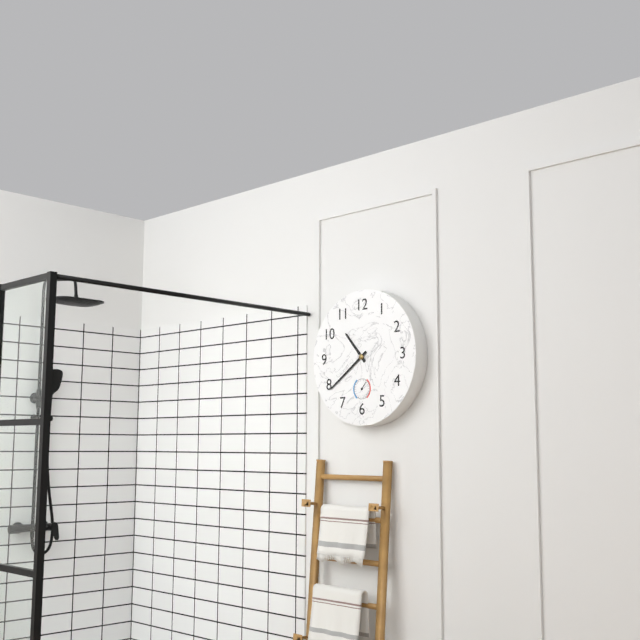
10.39
